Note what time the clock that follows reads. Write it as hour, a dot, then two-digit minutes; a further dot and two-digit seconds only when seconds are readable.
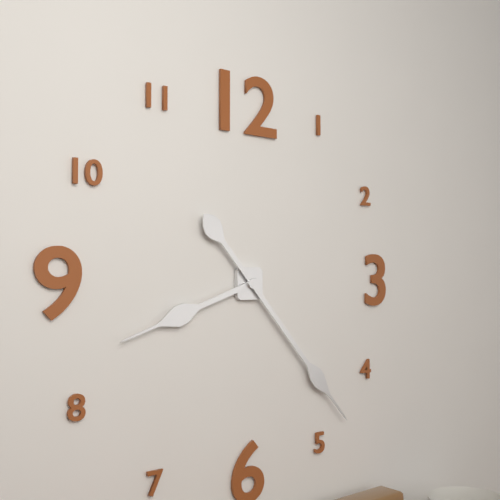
8.23
